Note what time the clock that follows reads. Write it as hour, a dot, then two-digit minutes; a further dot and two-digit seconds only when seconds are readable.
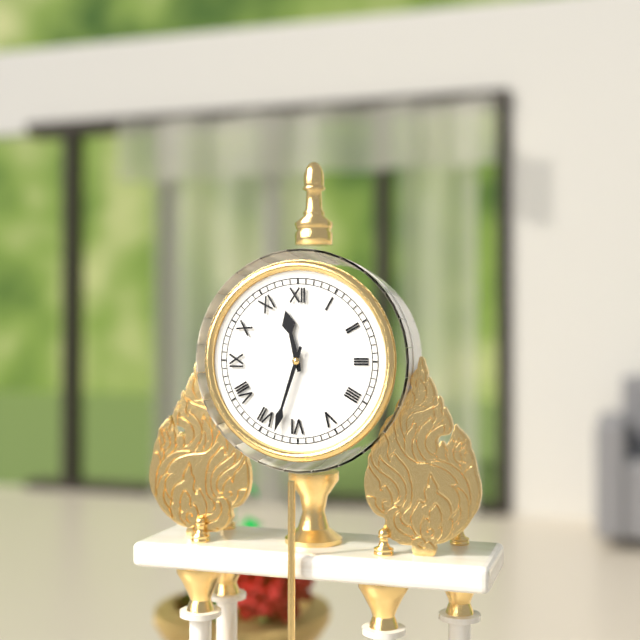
11.33
